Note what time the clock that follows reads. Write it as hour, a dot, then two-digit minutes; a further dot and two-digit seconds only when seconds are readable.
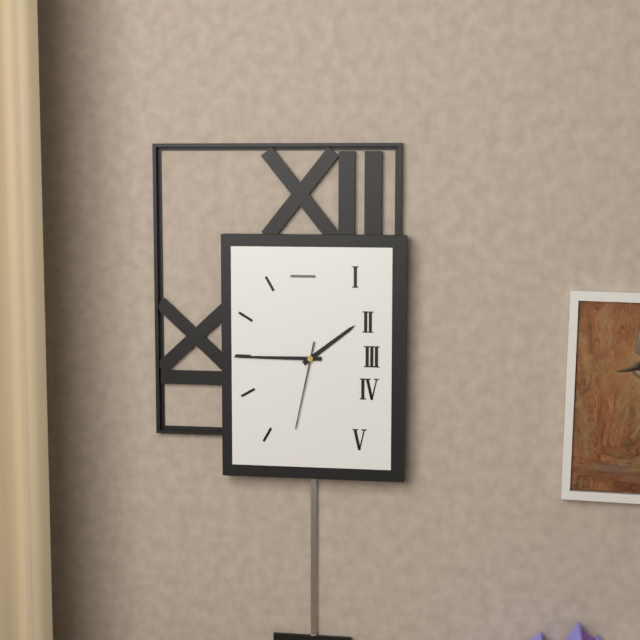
1.45.32
